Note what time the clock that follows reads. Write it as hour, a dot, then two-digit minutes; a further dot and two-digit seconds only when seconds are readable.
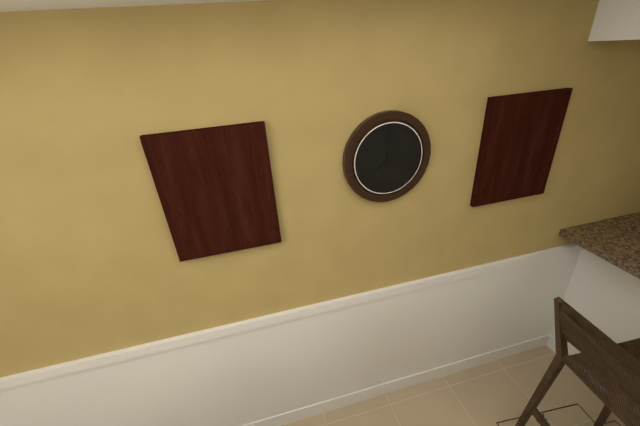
7.59
